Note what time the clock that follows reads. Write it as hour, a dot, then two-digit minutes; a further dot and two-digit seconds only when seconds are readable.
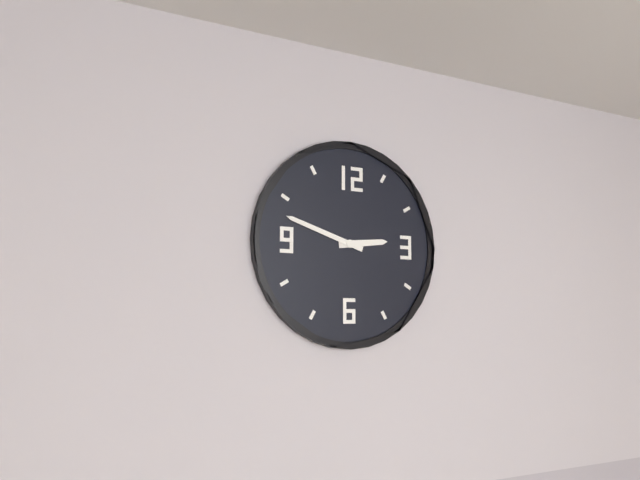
2.48
